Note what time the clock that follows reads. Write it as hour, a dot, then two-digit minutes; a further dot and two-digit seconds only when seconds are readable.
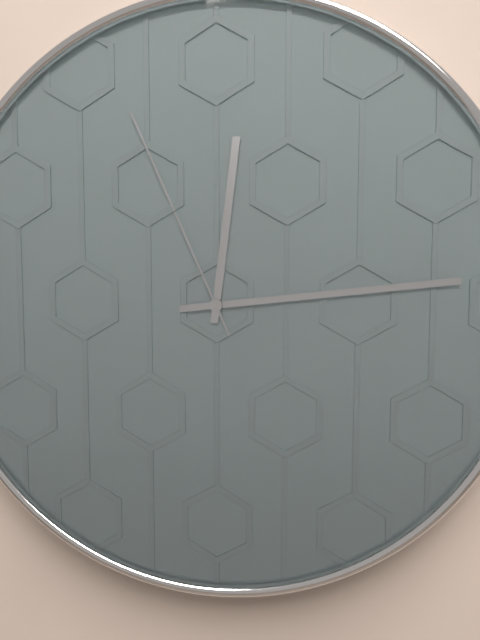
12.14.56
